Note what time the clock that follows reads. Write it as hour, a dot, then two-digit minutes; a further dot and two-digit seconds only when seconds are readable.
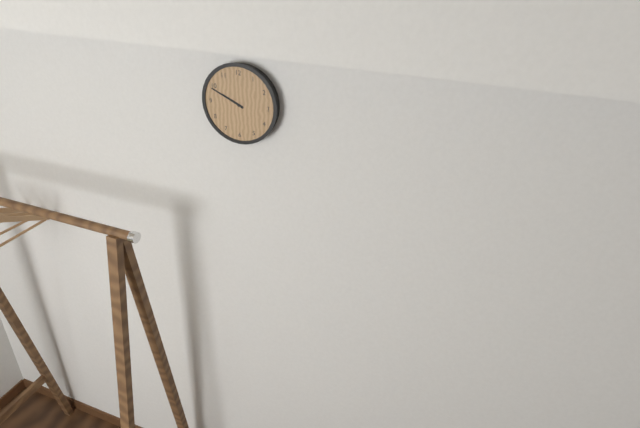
9.49
